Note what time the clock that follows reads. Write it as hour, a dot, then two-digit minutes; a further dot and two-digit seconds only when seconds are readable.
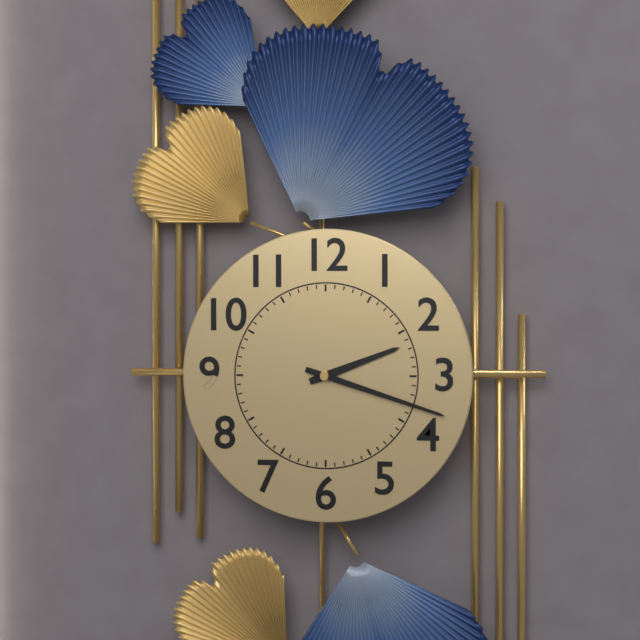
2.18
